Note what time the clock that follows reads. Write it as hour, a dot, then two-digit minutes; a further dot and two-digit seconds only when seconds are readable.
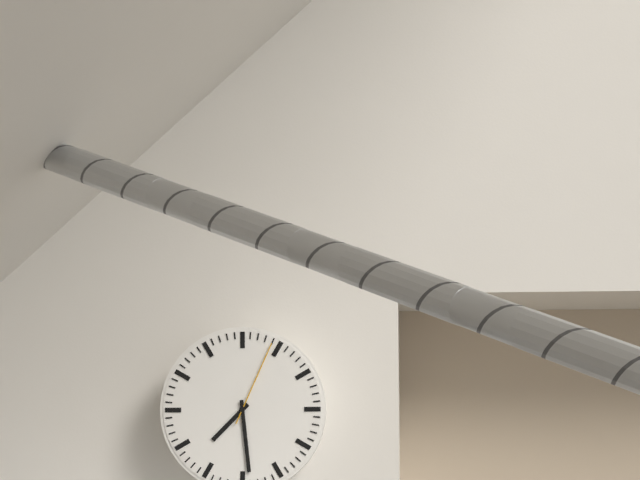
7.29.04
